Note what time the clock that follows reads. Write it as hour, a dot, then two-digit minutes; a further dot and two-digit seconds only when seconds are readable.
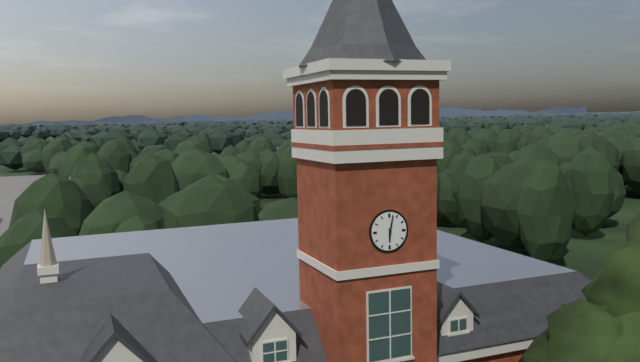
6.02
